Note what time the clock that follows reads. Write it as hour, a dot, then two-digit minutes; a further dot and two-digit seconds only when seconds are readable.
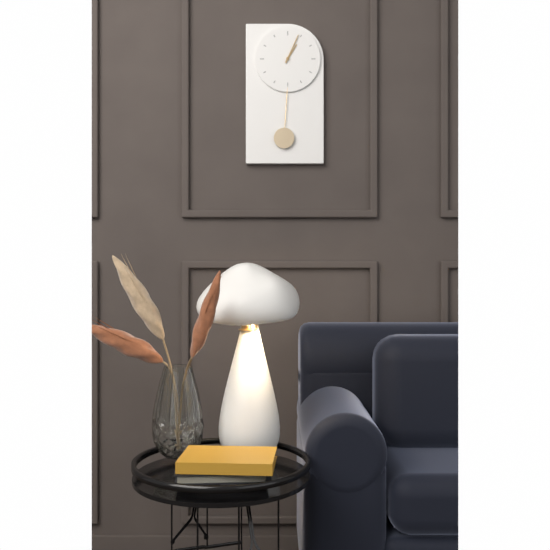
1.04
